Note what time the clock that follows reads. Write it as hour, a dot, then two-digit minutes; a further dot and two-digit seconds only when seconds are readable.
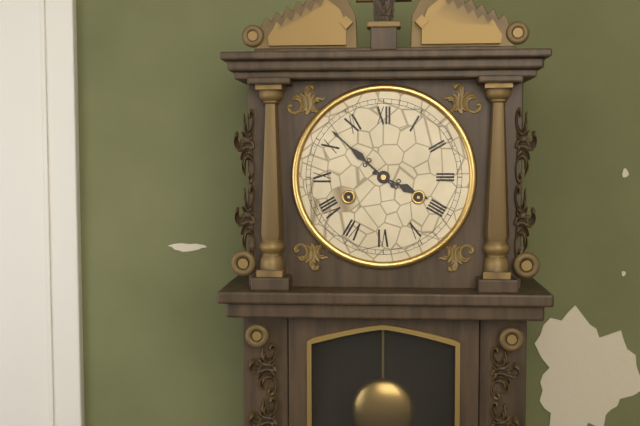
3.52
